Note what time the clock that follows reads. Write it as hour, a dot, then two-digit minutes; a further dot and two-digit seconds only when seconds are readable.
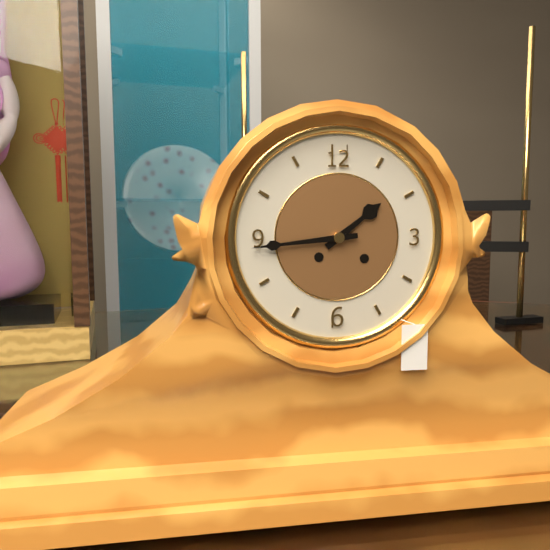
1.44
